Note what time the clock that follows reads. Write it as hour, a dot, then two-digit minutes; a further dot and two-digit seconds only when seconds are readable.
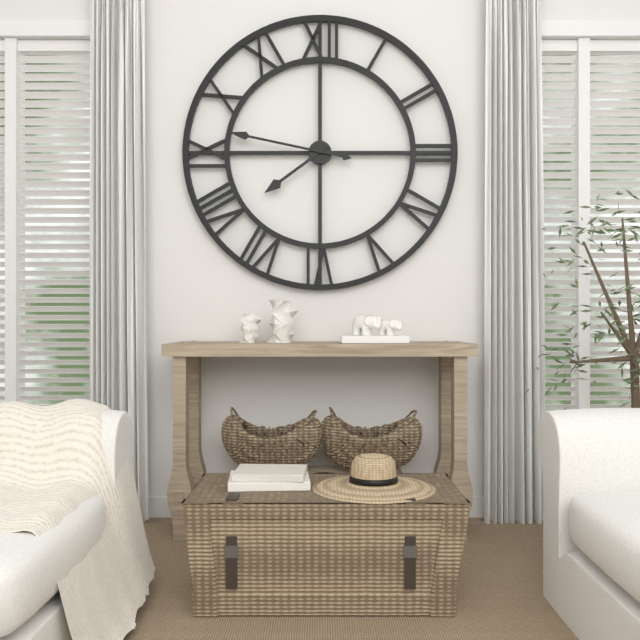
7.47
